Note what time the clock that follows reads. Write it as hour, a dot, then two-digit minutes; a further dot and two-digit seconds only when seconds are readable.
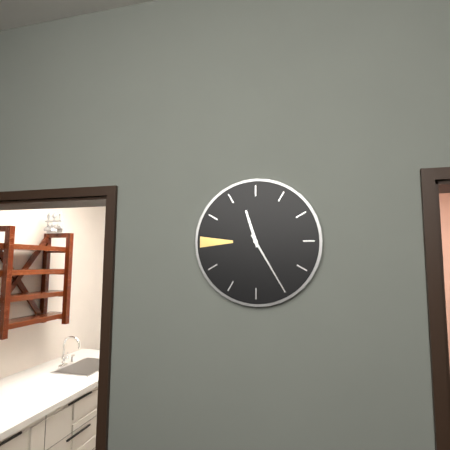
11.25
